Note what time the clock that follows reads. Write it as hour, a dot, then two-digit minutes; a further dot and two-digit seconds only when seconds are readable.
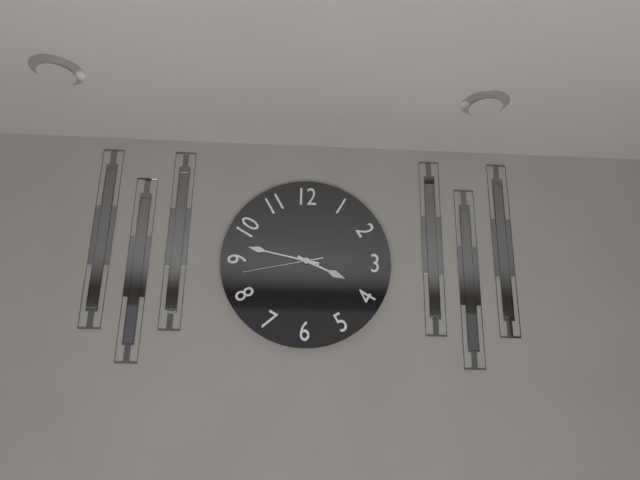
3.47.43
